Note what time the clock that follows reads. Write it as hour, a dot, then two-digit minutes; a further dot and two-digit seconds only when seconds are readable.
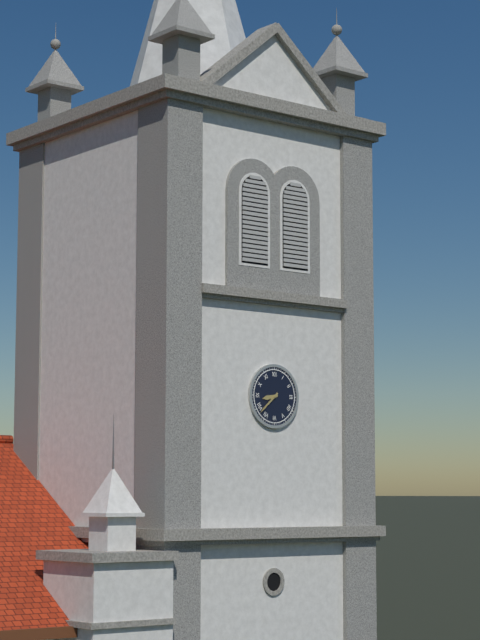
8.38
